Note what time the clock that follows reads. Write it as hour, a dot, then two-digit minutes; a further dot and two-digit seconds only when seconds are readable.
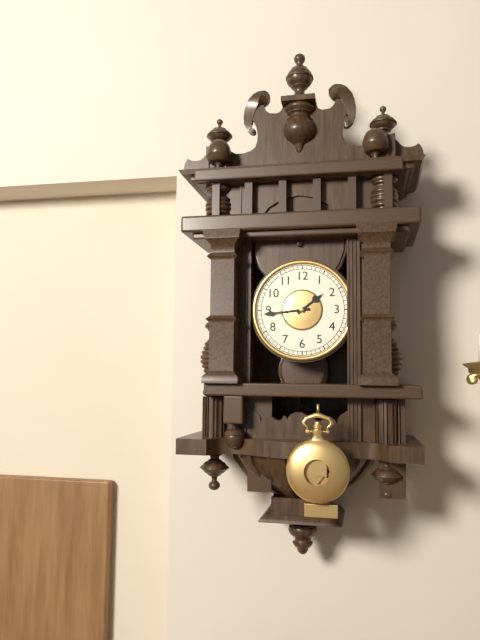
1.44
